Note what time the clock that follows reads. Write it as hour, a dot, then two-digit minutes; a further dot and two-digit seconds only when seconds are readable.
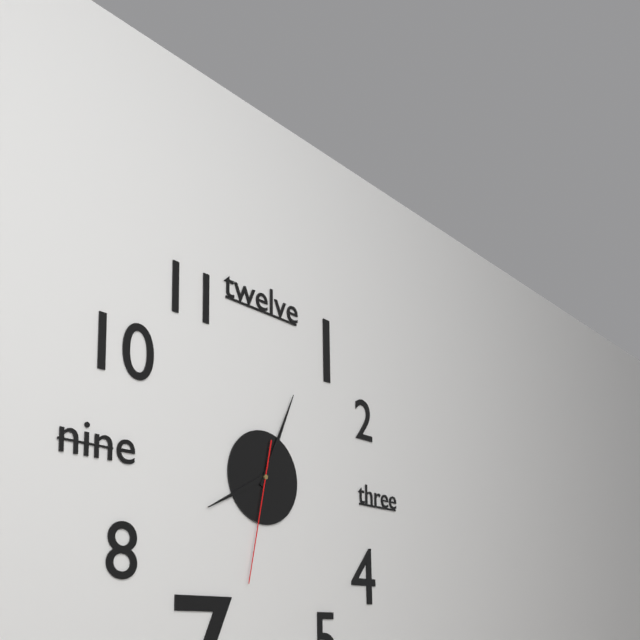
8.04.32
